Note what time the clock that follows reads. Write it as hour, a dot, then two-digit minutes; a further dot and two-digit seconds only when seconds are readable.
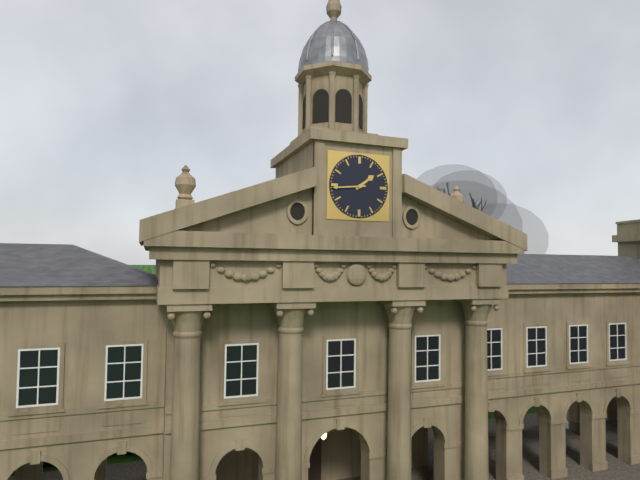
1.44
